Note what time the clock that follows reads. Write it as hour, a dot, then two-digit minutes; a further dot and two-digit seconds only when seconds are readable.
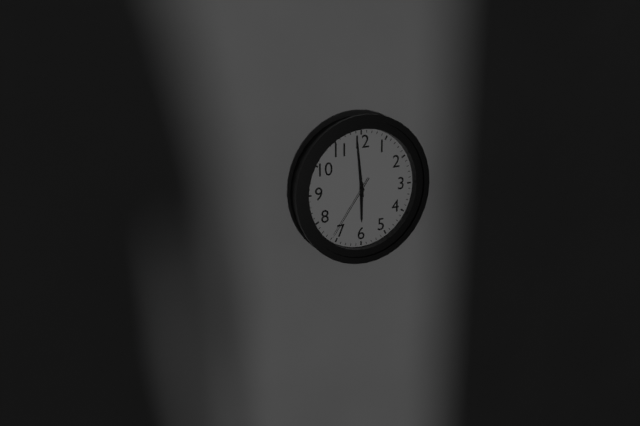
5.59.36
